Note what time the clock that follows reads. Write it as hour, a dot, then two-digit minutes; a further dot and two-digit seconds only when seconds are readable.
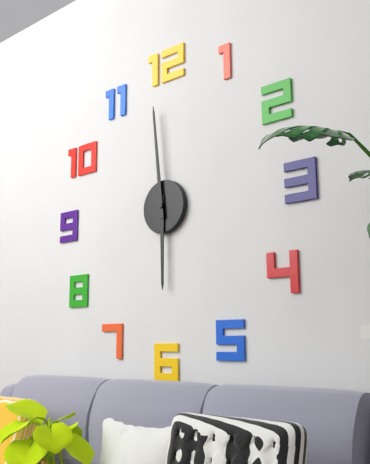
5.59
